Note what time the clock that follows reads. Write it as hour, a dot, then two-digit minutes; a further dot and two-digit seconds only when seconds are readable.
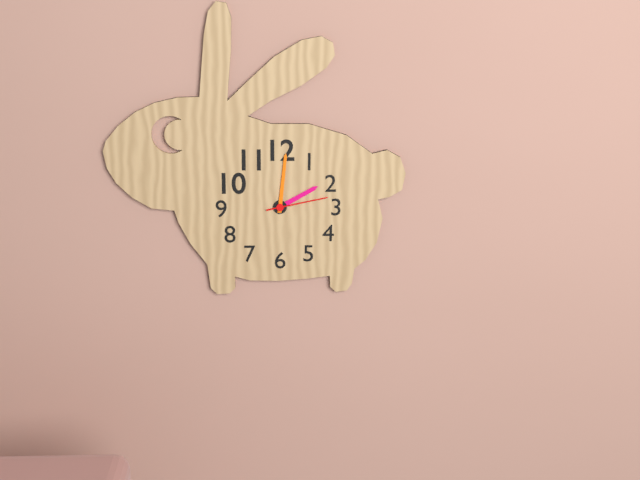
2.01.13
